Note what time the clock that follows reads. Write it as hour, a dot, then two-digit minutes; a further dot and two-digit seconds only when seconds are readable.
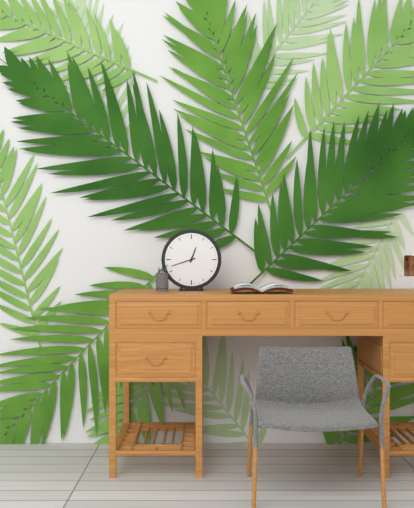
12.42
